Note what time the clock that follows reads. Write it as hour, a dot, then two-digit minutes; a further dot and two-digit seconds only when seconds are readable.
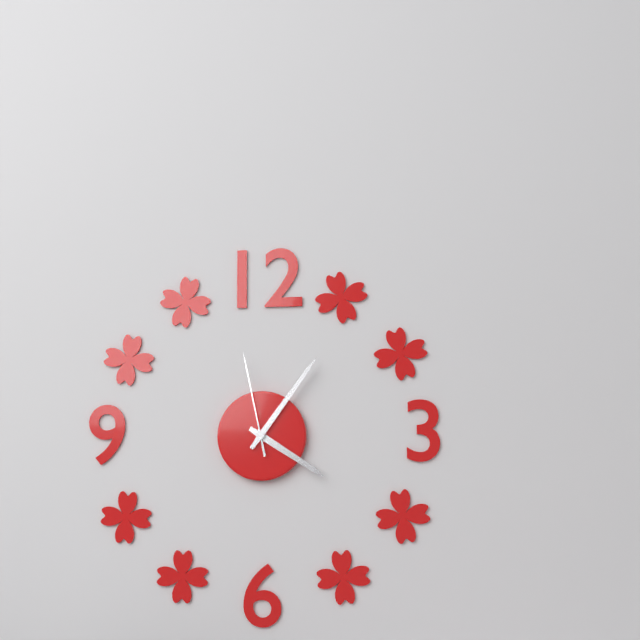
4.06.58
